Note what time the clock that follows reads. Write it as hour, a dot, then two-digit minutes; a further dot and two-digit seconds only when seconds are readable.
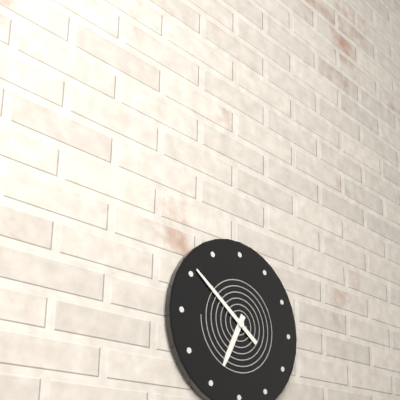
6.51
